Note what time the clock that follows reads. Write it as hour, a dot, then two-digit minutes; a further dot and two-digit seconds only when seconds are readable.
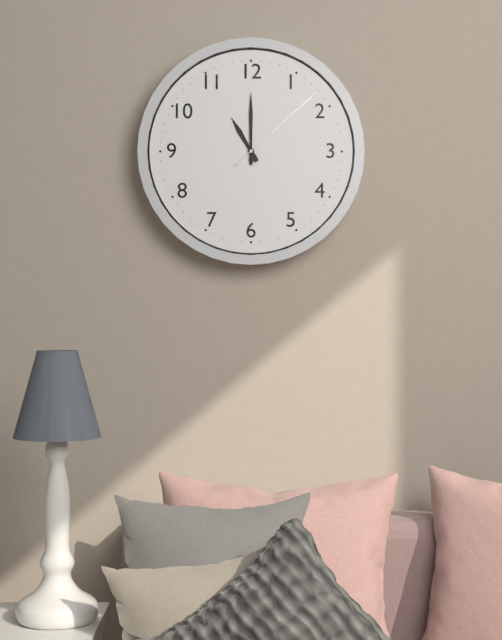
11.00.08
